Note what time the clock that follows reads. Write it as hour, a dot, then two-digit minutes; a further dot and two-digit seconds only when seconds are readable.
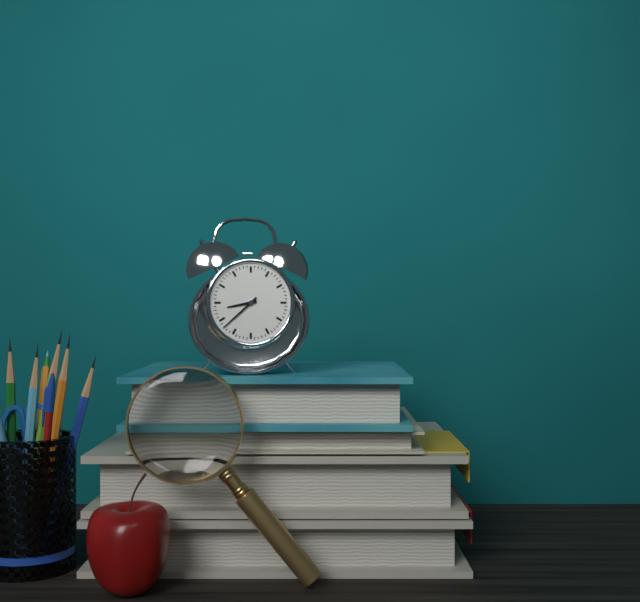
8.38
